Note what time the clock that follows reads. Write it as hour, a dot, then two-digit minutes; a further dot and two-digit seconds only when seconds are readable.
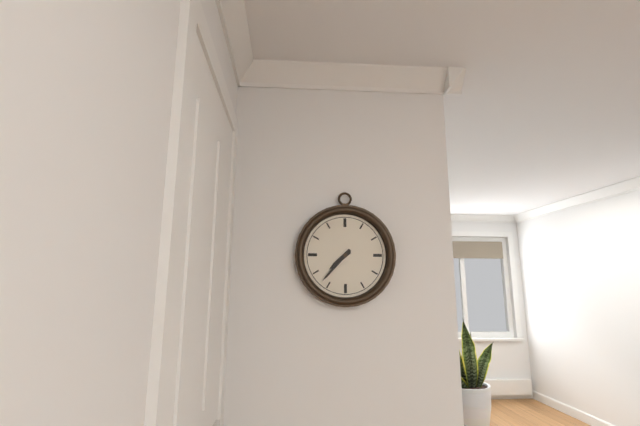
7.37
